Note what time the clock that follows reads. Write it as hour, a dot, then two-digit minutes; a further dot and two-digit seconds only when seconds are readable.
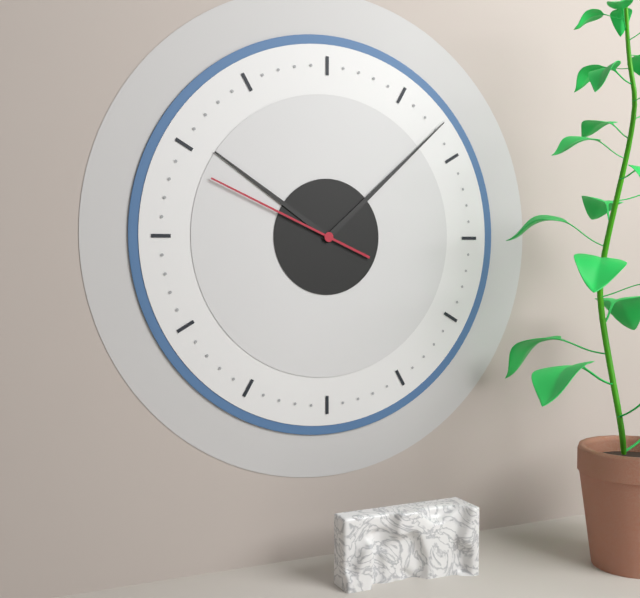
10.08.49
